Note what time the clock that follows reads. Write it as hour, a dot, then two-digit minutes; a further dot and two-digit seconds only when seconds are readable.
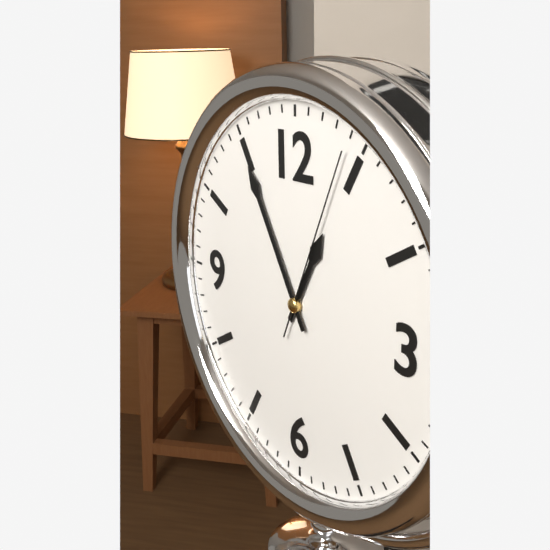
12.55.04
